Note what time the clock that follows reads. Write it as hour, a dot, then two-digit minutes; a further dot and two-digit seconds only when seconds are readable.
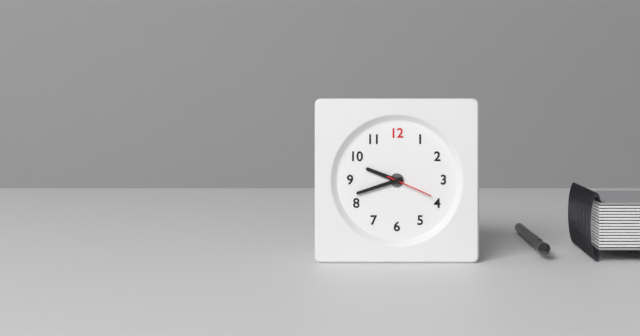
9.42
